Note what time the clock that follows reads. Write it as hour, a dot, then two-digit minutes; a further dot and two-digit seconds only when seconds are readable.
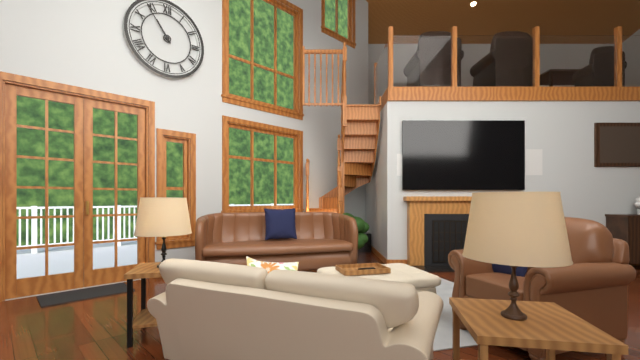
10.54
